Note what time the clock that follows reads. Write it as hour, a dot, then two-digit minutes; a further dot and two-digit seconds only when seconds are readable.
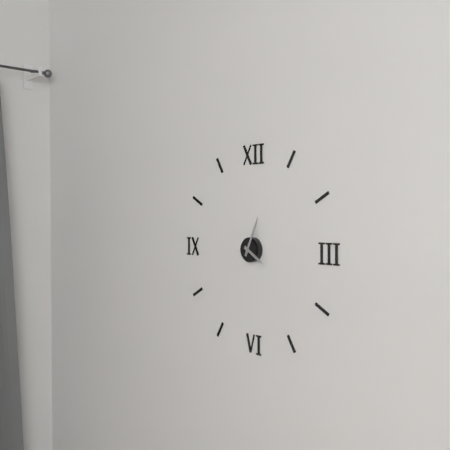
4.04
